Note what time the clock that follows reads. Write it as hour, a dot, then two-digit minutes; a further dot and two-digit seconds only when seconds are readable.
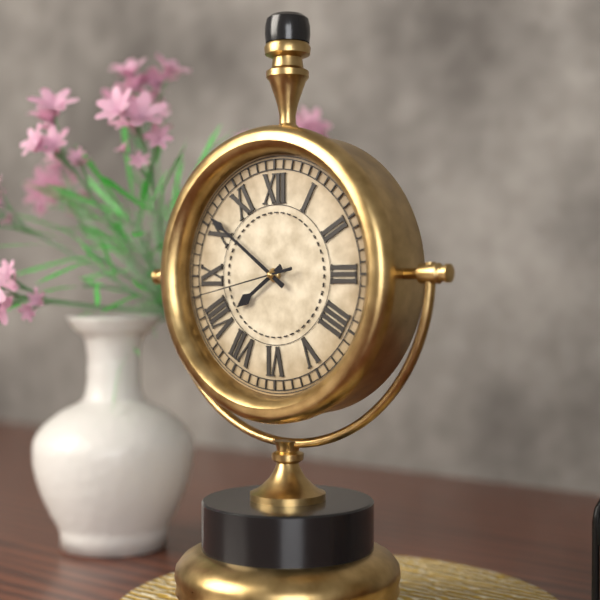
7.51.43
